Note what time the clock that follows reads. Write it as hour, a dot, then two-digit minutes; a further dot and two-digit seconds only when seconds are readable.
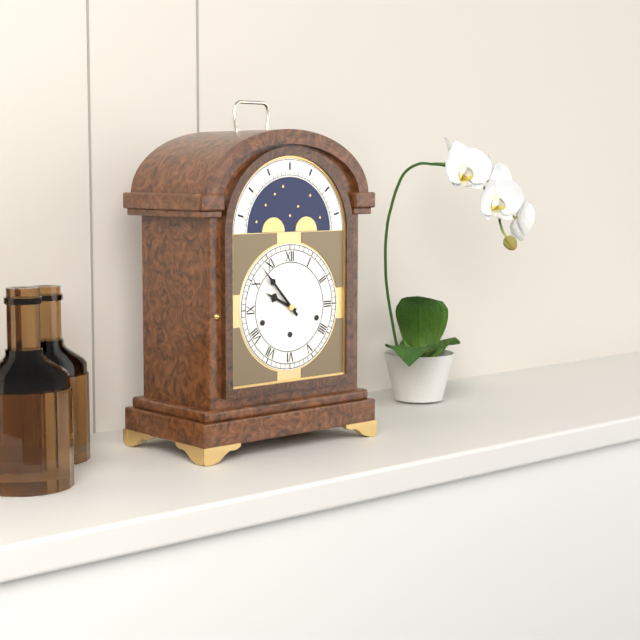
9.53
